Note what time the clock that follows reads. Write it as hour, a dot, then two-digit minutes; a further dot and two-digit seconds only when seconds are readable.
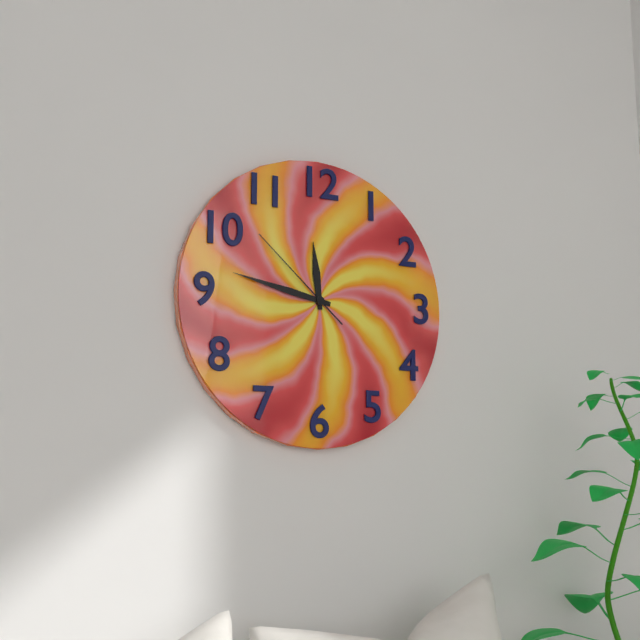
11.47.52
